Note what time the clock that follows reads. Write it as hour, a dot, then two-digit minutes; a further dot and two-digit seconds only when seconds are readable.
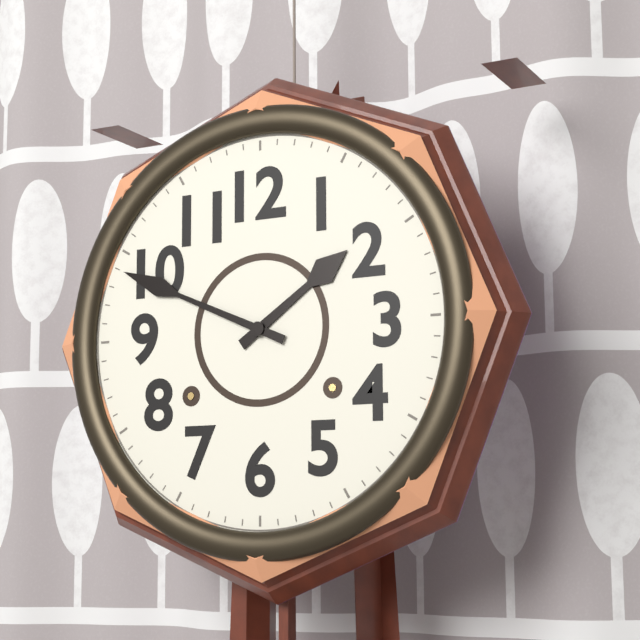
1.49
